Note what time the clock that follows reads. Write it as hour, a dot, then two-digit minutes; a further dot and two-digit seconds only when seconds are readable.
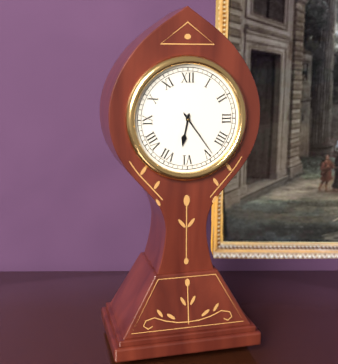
6.24
